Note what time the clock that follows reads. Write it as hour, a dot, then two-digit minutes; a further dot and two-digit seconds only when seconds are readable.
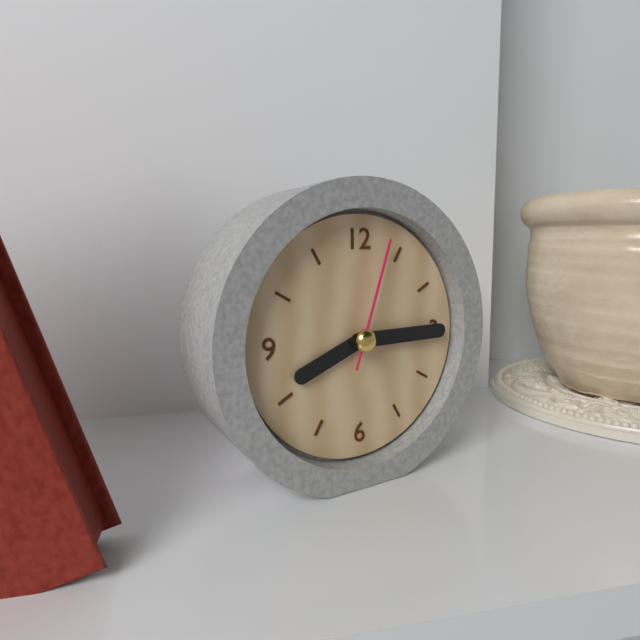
8.15.03
